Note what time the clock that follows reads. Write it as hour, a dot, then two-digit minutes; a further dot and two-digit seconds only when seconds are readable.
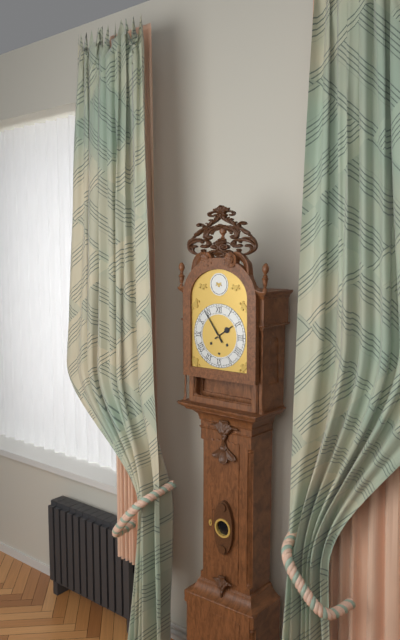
1.54
